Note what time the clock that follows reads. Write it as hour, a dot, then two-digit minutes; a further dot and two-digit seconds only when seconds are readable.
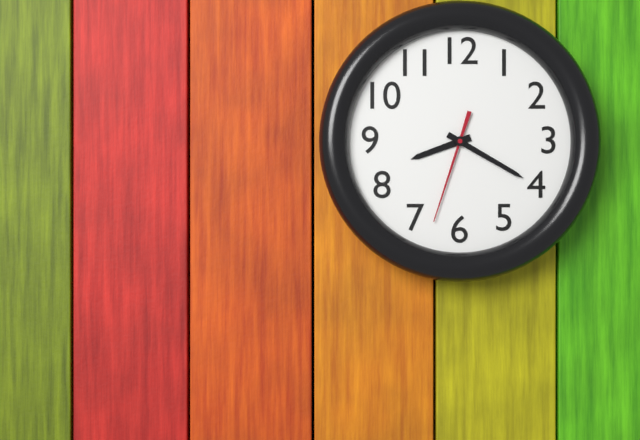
8.20.33
